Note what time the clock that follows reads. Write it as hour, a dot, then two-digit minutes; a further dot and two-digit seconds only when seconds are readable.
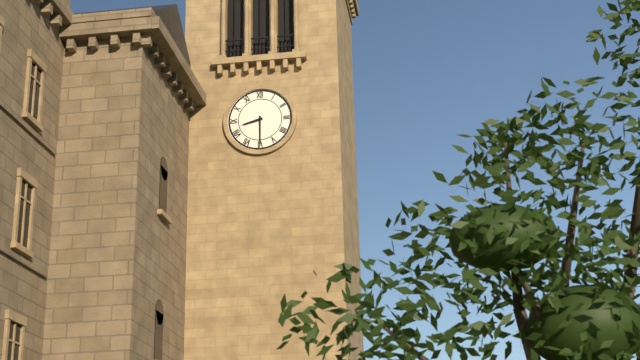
8.30
